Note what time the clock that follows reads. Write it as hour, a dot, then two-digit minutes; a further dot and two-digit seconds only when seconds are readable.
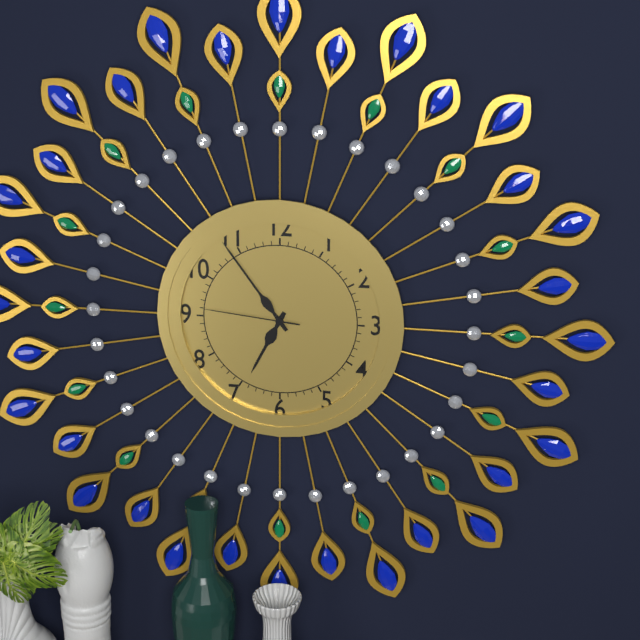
6.54.46
